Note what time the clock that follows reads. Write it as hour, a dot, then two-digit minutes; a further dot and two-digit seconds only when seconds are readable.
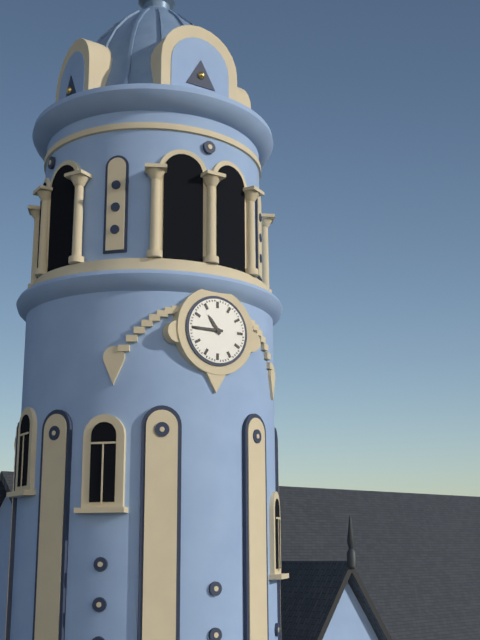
10.45
